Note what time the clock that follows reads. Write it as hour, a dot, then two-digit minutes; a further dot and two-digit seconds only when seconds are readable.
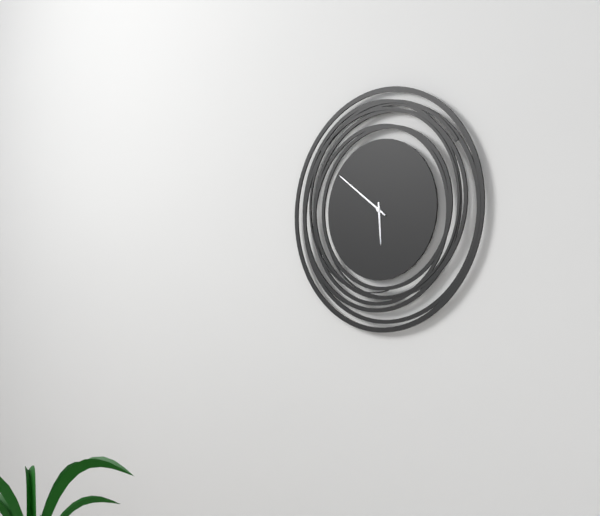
5.51
